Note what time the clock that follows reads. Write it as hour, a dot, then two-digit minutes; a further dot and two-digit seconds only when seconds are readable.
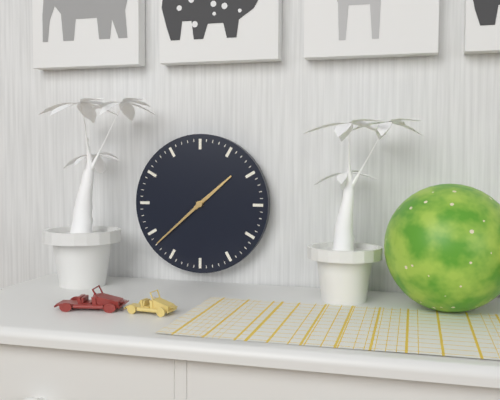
1.38
